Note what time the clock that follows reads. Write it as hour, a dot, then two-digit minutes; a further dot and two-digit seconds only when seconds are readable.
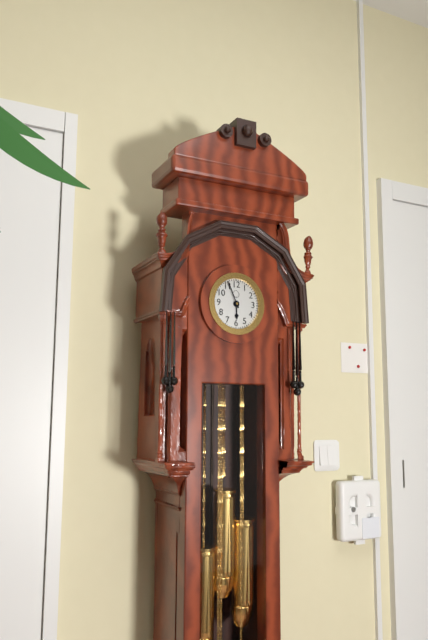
5.56
